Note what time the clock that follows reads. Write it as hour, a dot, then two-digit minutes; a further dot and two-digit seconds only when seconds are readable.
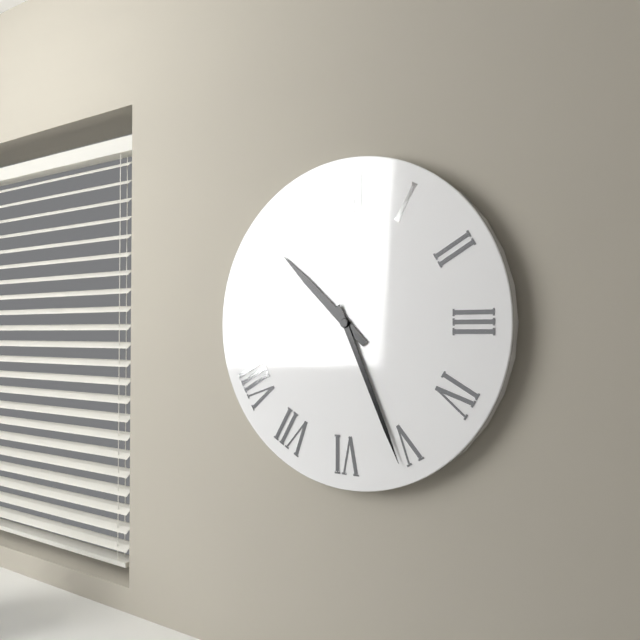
10.26
